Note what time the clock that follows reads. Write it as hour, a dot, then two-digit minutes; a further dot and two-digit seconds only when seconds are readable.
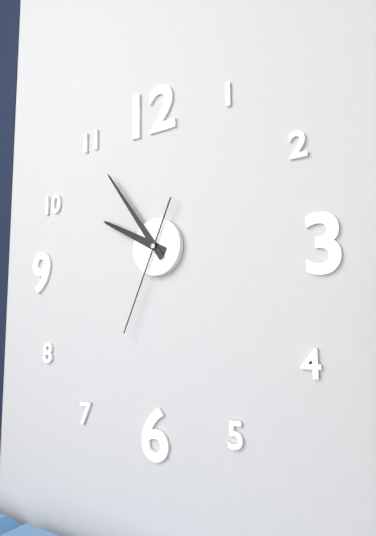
9.54.34
